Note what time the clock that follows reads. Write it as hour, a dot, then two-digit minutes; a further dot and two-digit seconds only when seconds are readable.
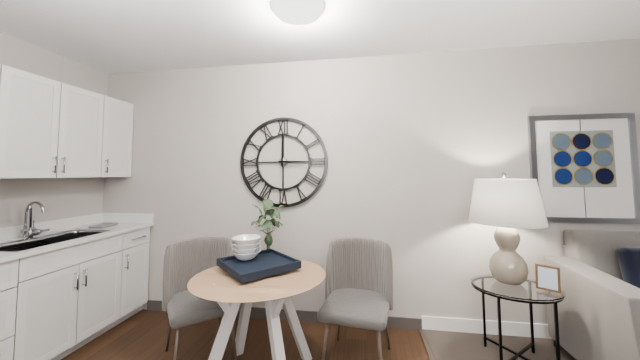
3.00
